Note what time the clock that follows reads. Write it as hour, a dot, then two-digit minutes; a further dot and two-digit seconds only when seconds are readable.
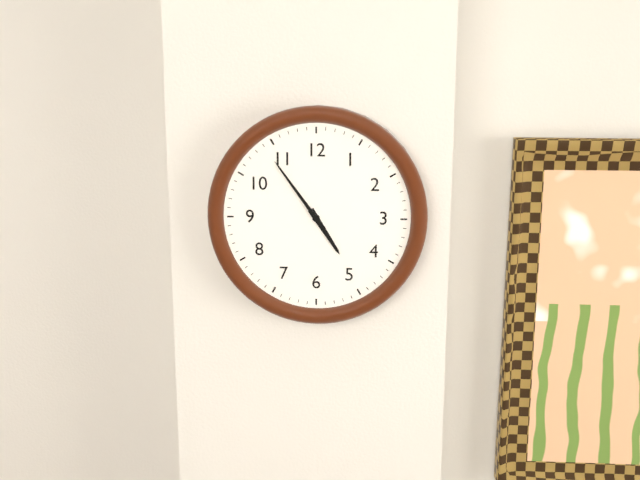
4.54
